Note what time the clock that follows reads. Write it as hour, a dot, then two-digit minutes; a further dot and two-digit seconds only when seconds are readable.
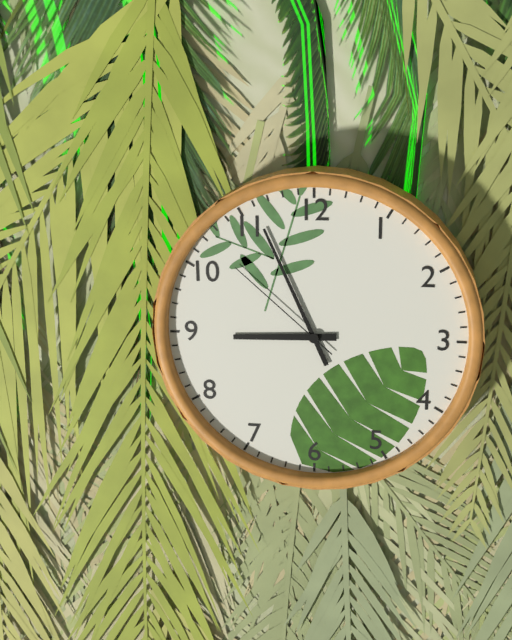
8.56.52
